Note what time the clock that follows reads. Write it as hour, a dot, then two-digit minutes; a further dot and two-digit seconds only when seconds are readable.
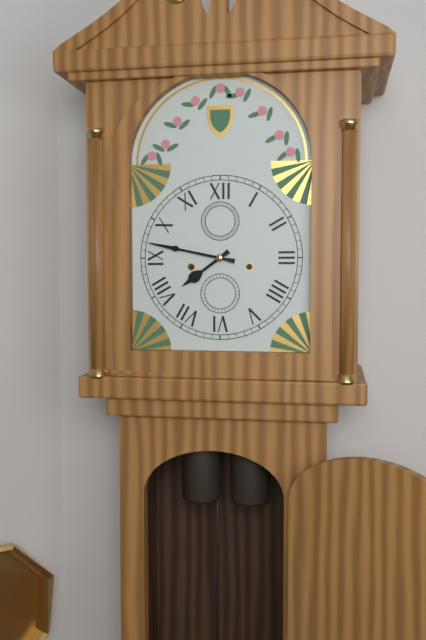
7.47
